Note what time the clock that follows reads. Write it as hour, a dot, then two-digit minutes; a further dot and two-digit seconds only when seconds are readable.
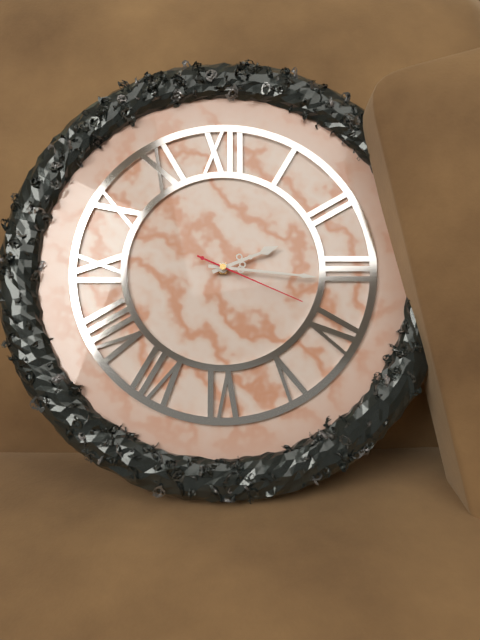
2.16.19
